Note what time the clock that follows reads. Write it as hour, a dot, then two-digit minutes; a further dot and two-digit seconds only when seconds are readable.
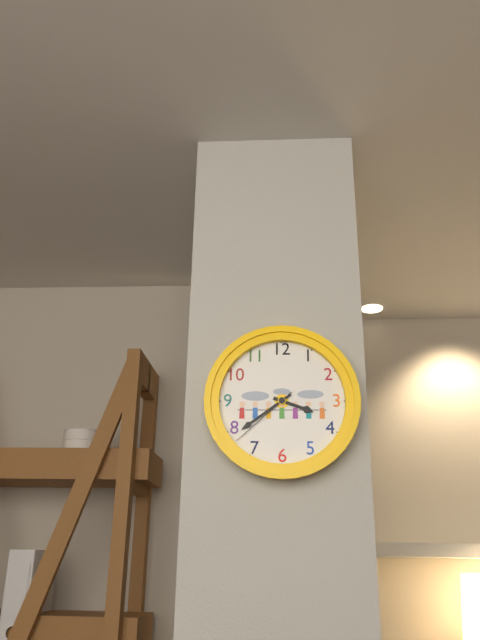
3.39.38
